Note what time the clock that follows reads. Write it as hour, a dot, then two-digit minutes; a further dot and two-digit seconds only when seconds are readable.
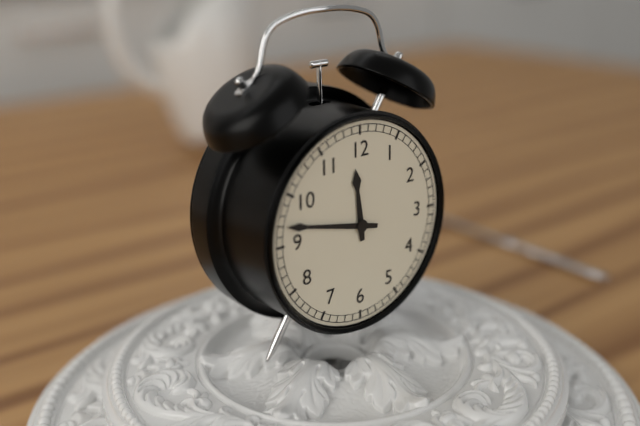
11.47
